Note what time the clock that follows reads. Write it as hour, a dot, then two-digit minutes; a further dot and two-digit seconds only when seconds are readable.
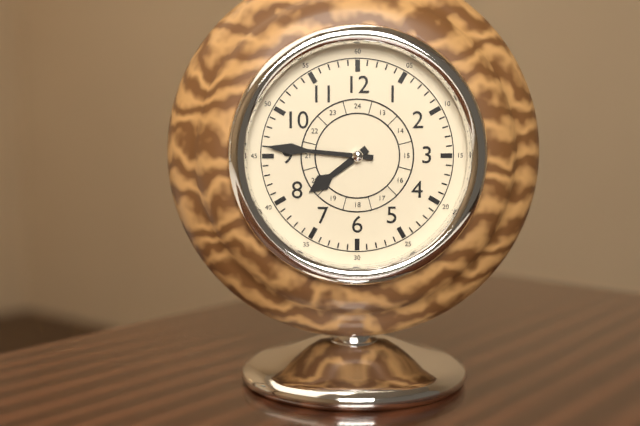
7.46
